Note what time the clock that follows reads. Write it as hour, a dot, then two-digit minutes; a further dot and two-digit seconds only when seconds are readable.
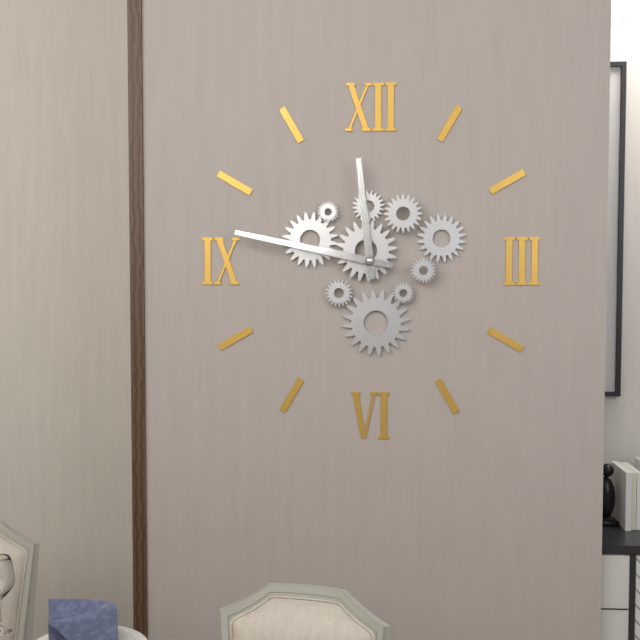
11.47
